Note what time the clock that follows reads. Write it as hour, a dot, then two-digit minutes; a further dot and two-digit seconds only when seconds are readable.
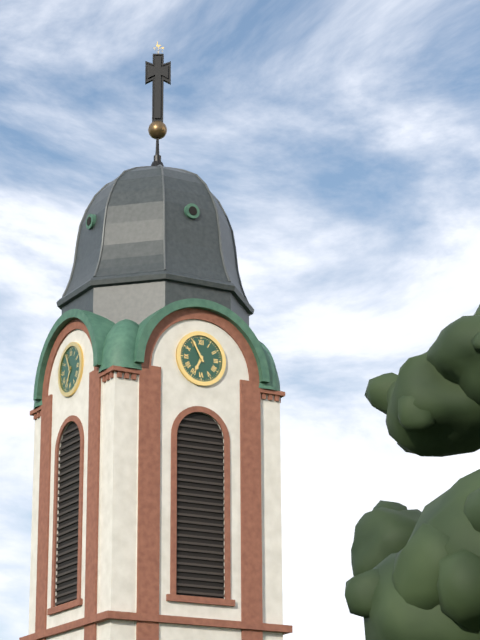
6.55
